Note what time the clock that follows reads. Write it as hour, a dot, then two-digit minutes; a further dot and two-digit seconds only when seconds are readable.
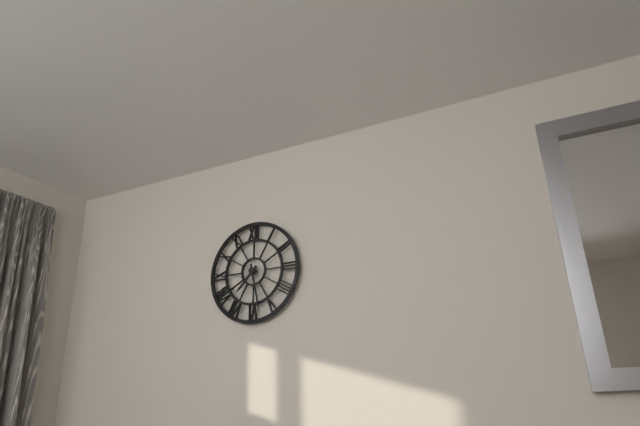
7.28
